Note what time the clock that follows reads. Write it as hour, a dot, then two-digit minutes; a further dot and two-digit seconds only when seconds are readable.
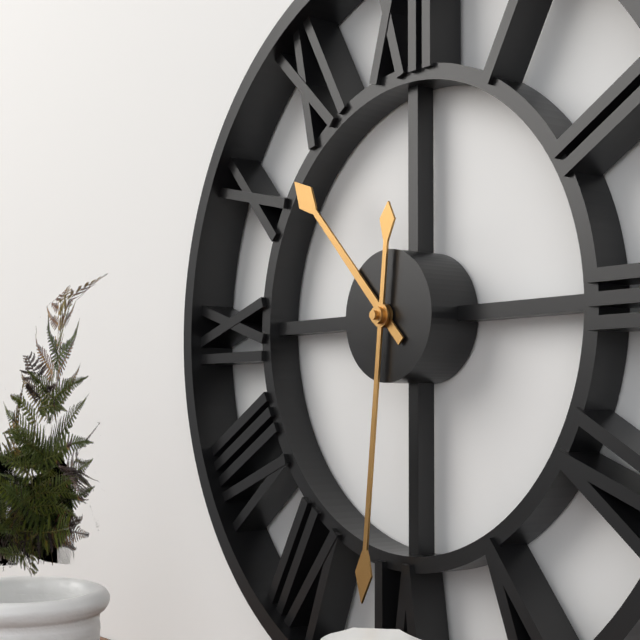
10.31
